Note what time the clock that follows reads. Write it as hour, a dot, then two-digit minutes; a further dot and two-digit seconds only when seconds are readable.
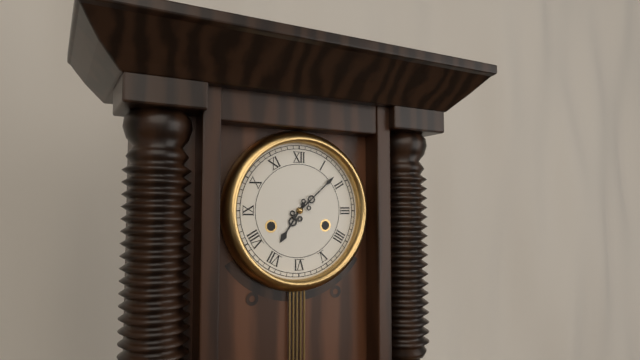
7.08
